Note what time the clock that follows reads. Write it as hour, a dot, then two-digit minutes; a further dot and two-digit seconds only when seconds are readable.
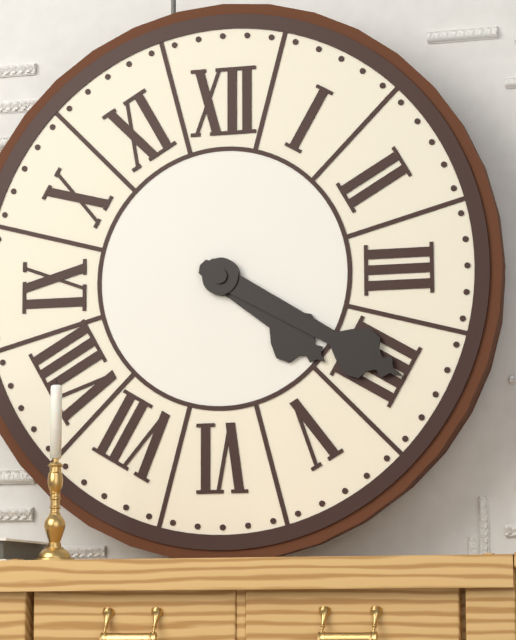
4.20
